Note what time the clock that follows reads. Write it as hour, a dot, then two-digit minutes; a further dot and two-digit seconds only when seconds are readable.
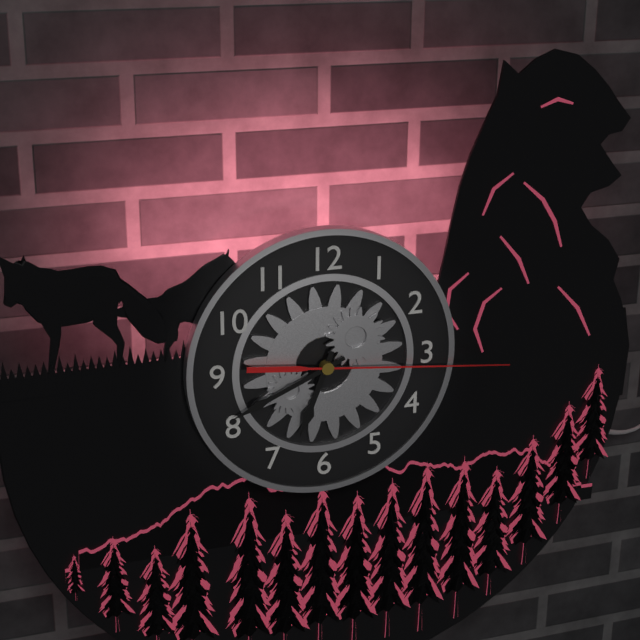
6.41.16
